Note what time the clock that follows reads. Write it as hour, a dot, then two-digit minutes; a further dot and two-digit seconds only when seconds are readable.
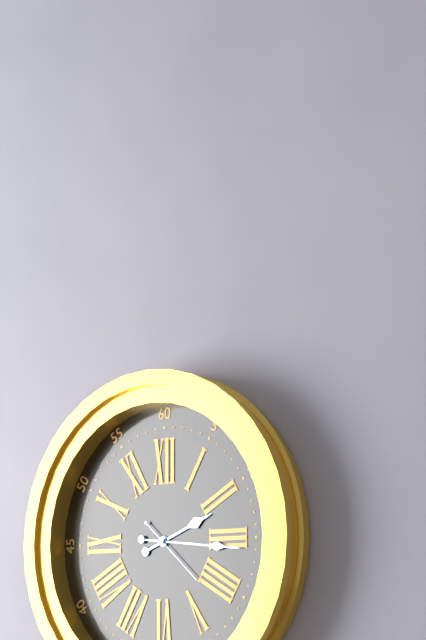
2.16.22
